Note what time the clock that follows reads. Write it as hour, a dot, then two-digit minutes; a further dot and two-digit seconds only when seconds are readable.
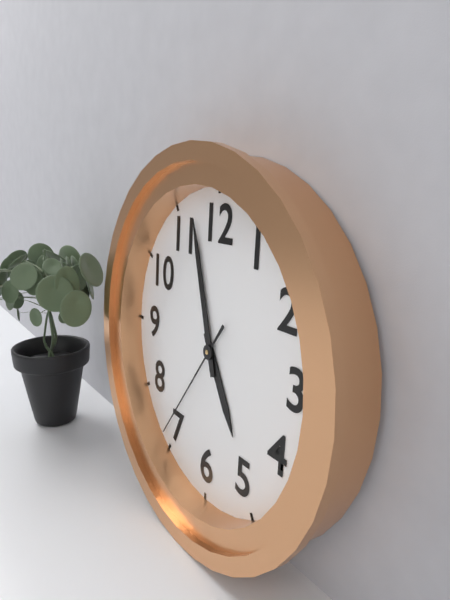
4.57.36
